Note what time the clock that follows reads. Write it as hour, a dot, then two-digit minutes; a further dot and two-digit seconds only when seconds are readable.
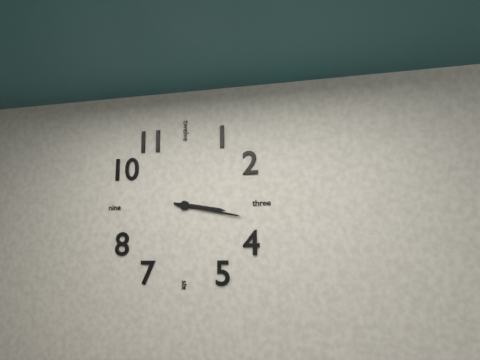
3.17
